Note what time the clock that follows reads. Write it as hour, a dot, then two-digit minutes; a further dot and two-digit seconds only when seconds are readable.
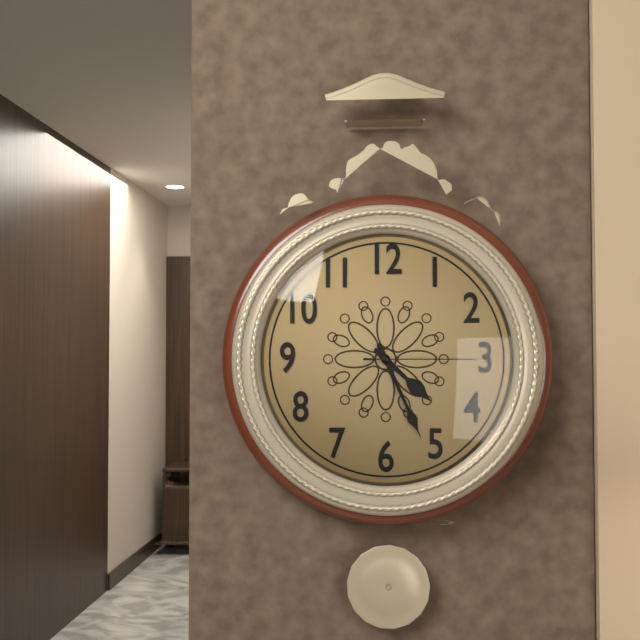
4.26.15
